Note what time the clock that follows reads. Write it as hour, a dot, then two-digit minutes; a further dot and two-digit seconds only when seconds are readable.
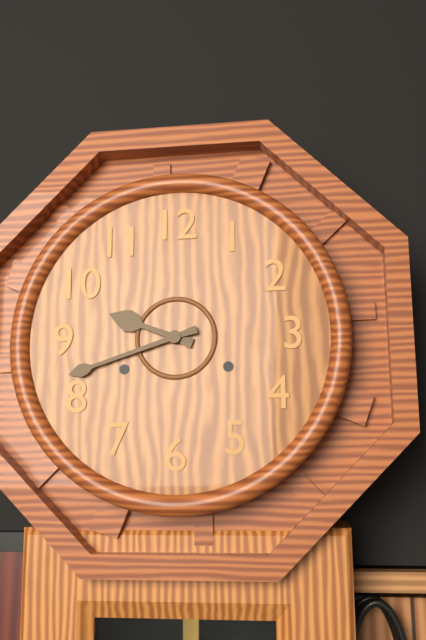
9.42
